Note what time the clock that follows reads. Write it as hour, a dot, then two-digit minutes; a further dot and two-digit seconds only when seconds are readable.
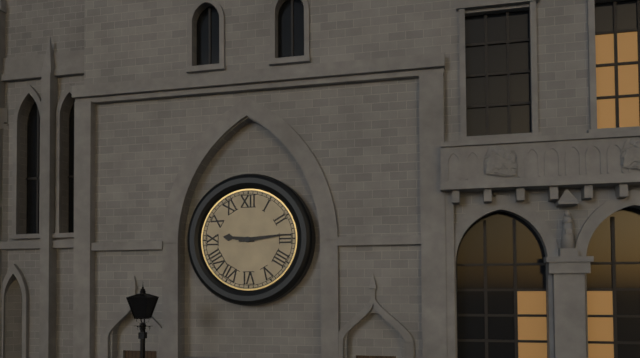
9.14
